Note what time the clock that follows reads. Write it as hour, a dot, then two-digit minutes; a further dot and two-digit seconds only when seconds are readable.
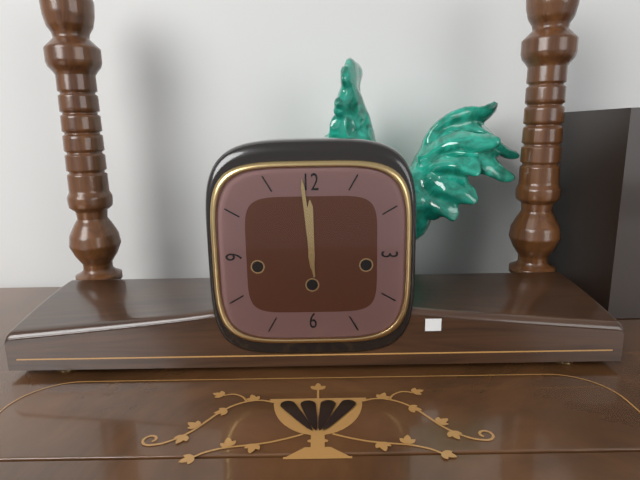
11.59
